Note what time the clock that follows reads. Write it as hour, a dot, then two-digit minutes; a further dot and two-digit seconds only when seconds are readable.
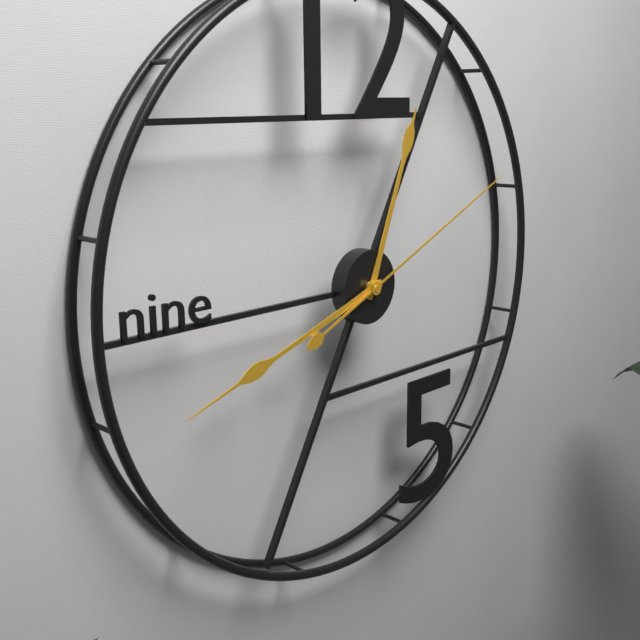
12.42.11
